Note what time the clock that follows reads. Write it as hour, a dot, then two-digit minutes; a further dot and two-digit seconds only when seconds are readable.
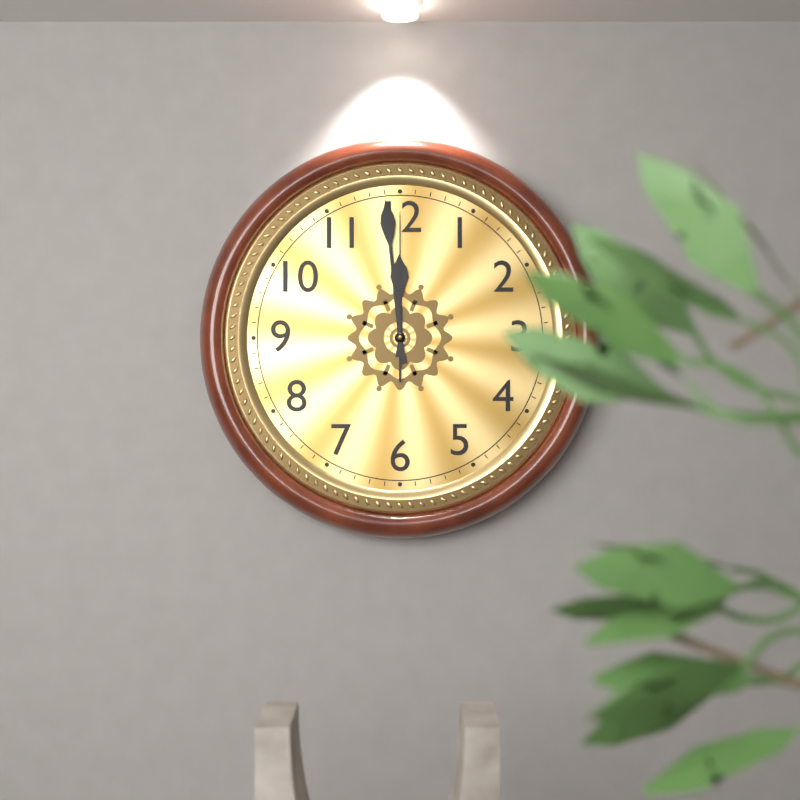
11.59.00
